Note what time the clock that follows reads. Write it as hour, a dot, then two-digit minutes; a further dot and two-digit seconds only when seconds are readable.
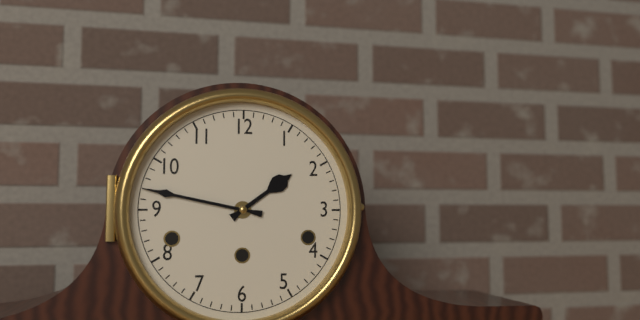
1.47
